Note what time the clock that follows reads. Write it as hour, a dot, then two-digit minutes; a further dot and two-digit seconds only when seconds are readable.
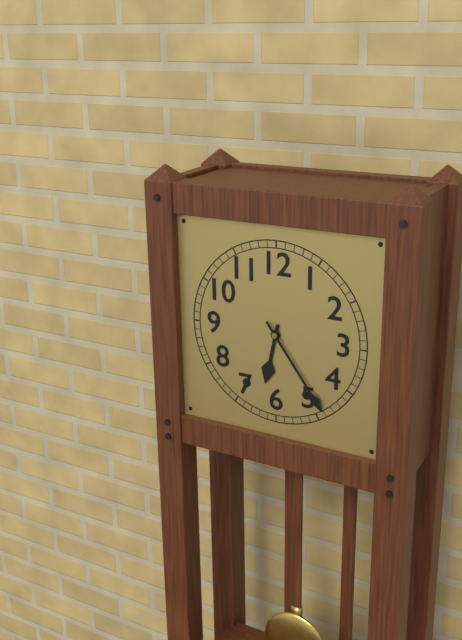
6.24
